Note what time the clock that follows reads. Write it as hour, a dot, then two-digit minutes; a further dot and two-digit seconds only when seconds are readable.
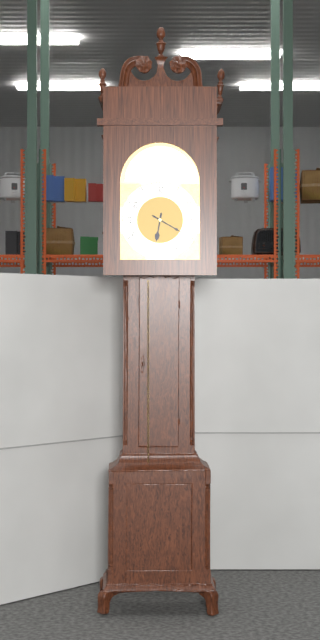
6.20
